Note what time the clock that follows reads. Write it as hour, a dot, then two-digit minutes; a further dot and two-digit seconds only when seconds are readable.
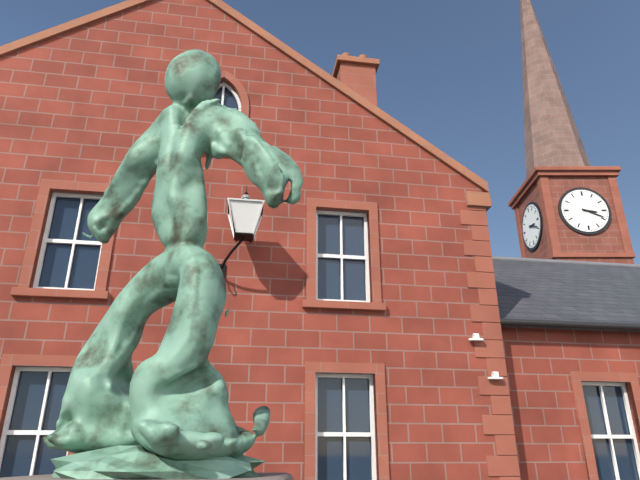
3.19
